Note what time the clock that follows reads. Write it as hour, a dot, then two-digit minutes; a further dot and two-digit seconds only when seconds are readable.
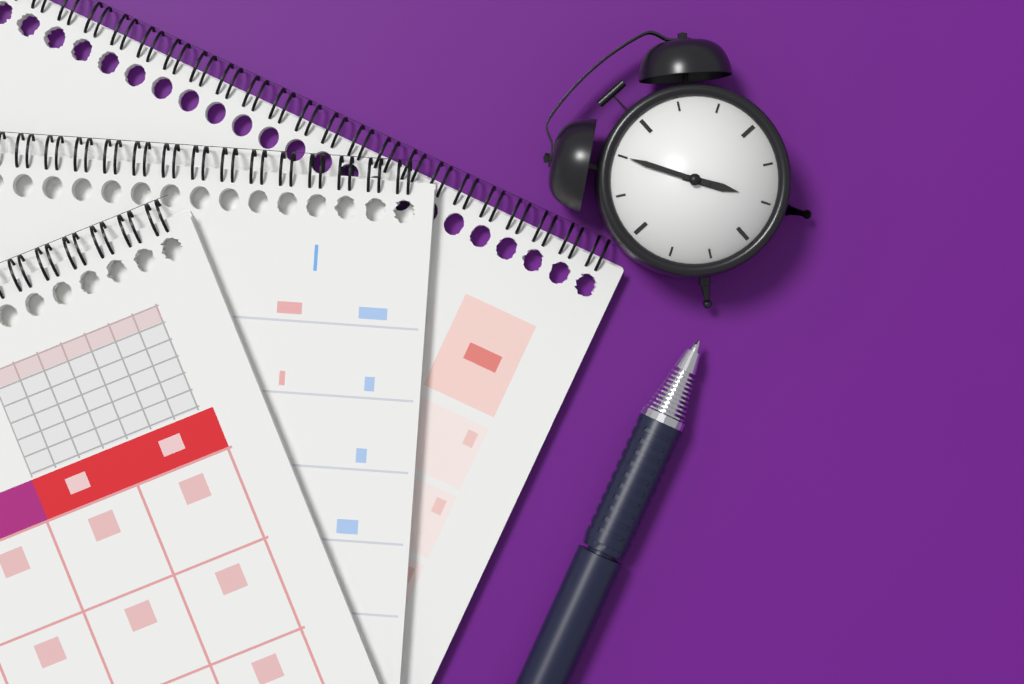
4.55
